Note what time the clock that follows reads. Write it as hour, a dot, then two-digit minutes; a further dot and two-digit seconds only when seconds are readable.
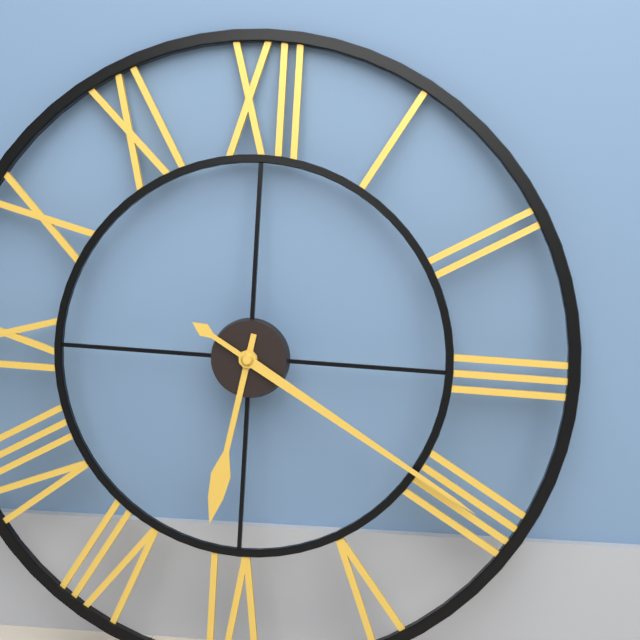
6.20
